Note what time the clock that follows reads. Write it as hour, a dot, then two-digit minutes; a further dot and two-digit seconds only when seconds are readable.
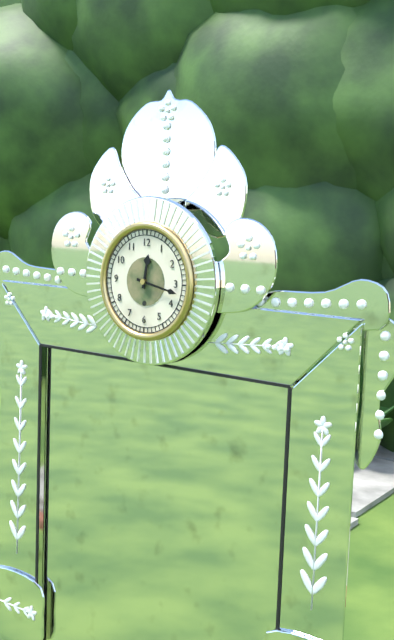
12.17
